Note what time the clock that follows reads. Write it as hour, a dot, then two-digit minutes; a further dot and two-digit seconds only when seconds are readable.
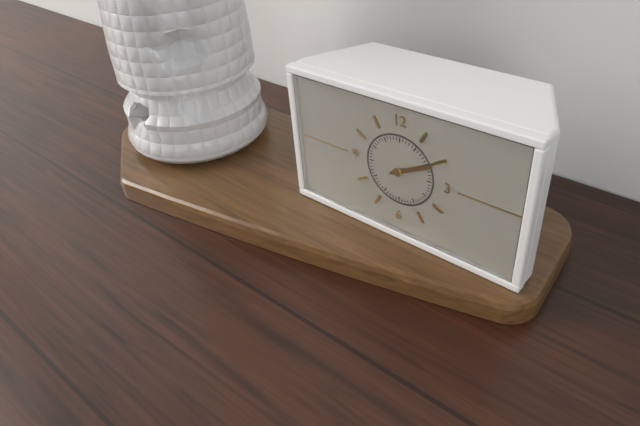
2.10
